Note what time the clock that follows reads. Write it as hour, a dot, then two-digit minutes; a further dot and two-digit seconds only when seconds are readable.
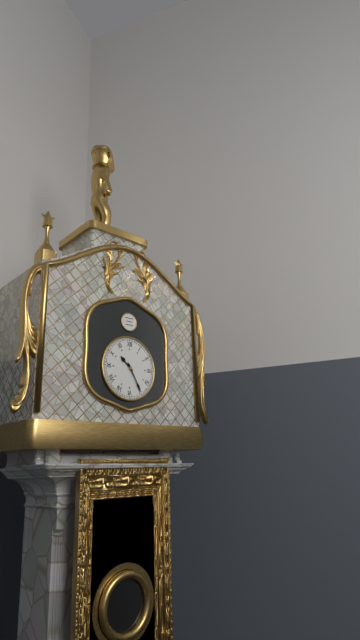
10.25
